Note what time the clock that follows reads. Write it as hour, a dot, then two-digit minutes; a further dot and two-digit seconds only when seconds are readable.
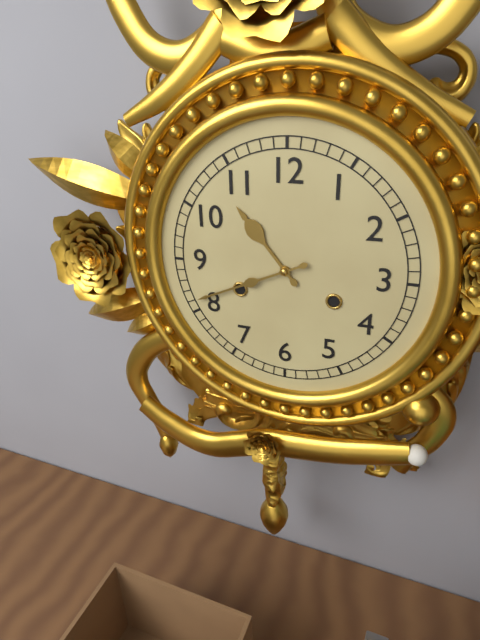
10.41
